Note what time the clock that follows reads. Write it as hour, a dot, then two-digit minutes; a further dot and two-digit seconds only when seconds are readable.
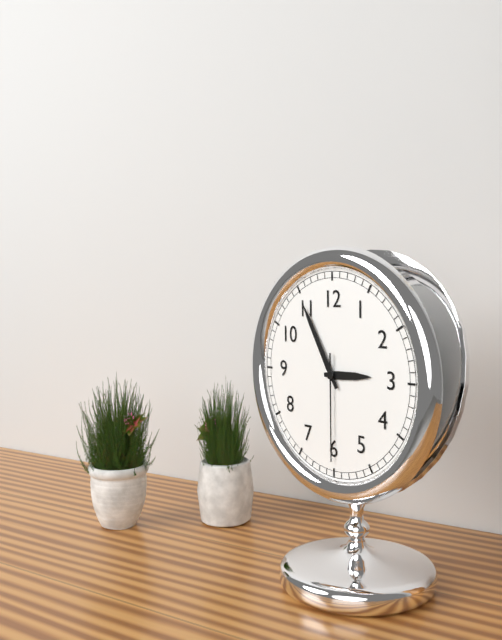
2.55.30
